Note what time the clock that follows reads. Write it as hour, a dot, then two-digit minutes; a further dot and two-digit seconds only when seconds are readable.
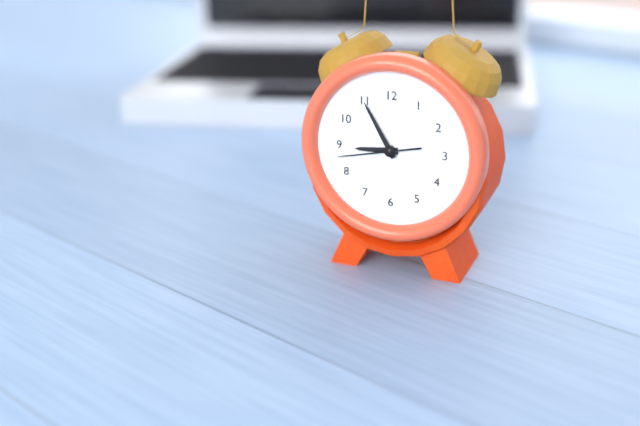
8.55.43
